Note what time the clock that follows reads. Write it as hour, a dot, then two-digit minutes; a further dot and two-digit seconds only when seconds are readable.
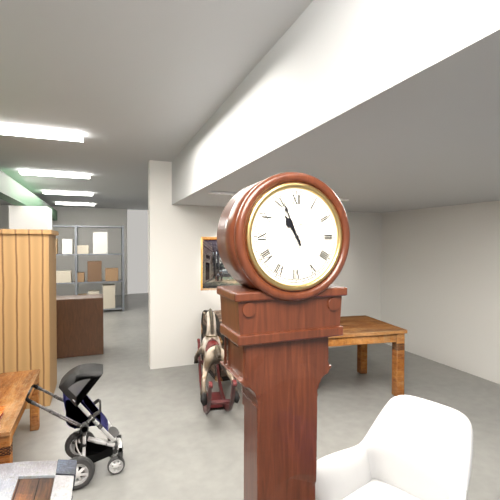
10.56
